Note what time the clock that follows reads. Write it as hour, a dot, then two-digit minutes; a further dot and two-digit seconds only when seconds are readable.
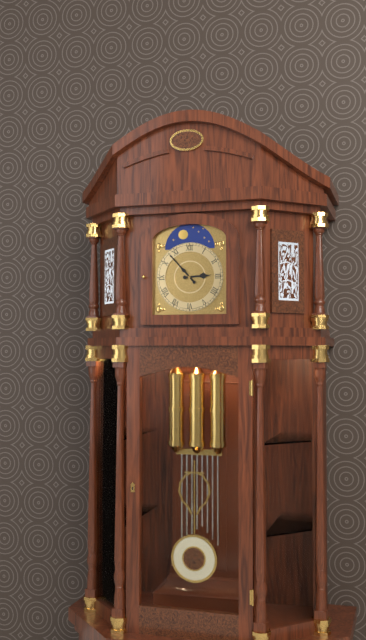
2.53
